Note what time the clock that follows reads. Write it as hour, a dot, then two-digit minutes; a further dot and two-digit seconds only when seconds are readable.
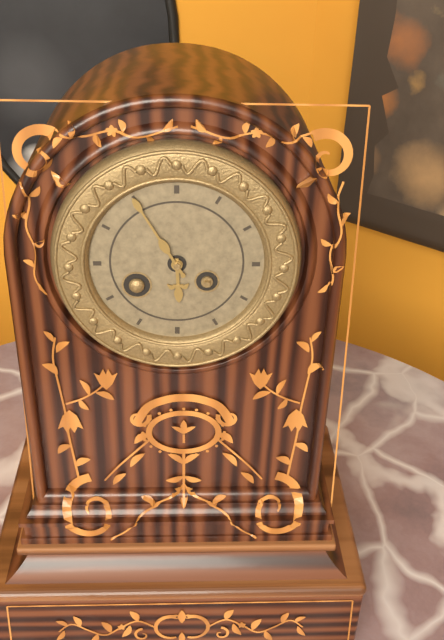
5.55
